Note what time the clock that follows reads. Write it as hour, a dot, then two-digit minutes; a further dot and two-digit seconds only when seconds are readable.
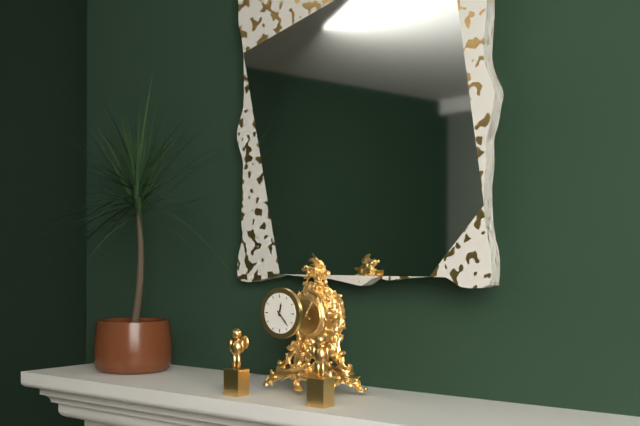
12.23
